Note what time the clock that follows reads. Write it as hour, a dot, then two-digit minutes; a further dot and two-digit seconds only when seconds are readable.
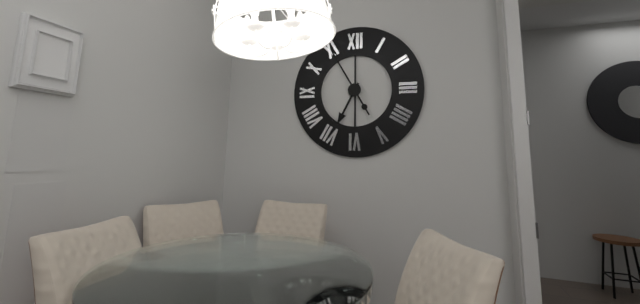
6.55
